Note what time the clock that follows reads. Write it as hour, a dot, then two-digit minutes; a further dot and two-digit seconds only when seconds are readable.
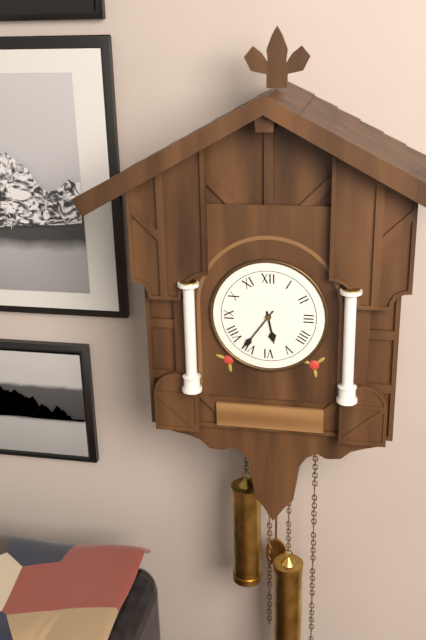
5.36
